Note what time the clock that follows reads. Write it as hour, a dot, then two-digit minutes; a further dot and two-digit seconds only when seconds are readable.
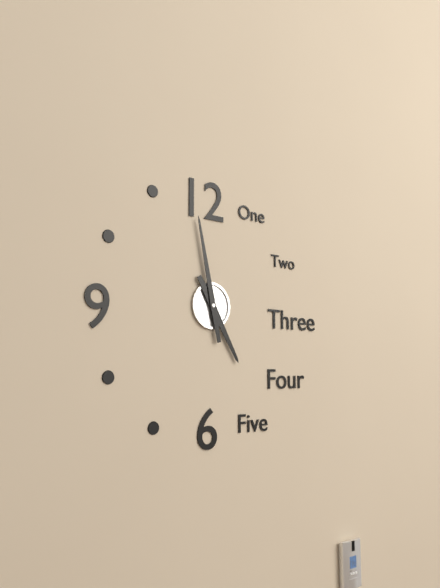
4.58
